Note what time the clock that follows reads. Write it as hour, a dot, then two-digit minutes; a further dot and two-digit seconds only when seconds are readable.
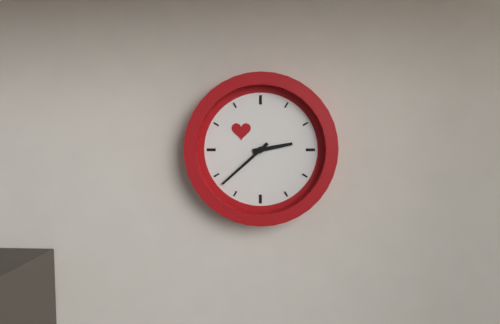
2.38
